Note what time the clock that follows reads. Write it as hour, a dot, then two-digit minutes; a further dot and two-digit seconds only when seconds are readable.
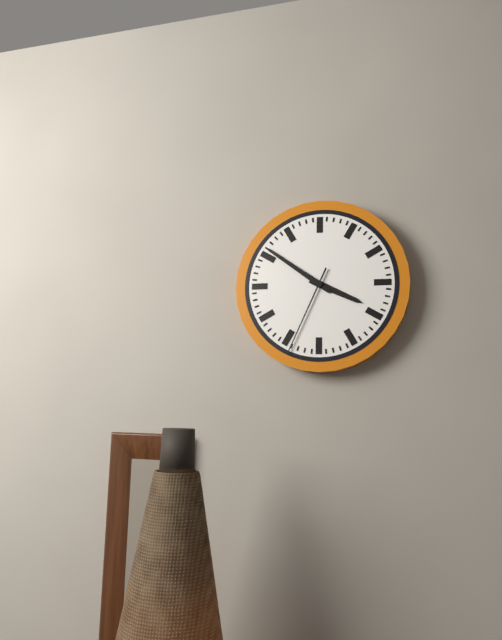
3.51.34
